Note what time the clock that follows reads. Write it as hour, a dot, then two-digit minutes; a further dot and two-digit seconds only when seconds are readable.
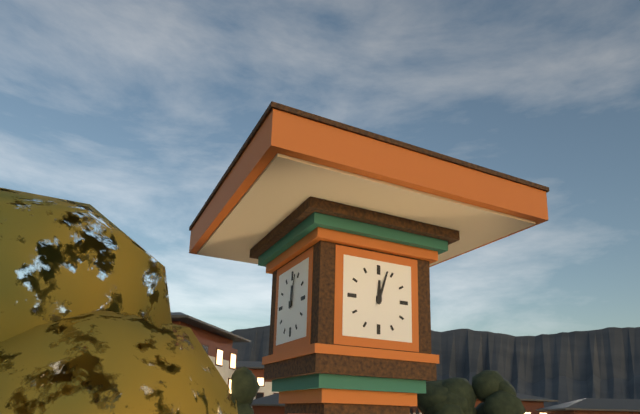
12.03
